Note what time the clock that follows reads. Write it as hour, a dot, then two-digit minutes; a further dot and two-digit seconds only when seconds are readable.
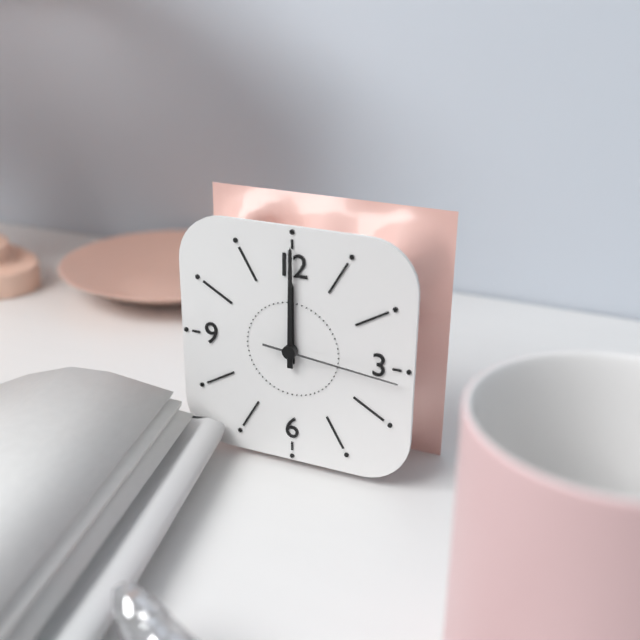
12.00.16
